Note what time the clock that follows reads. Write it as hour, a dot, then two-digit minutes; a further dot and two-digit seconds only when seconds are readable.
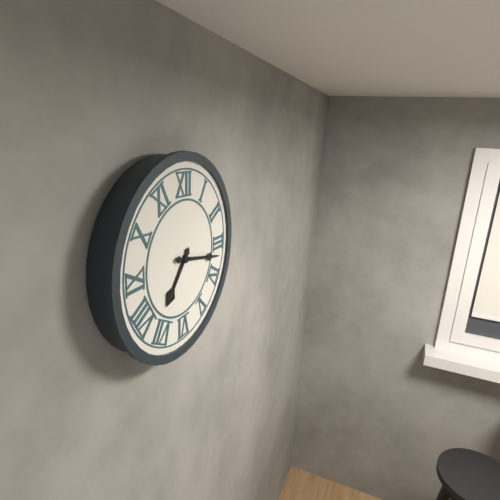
7.17
